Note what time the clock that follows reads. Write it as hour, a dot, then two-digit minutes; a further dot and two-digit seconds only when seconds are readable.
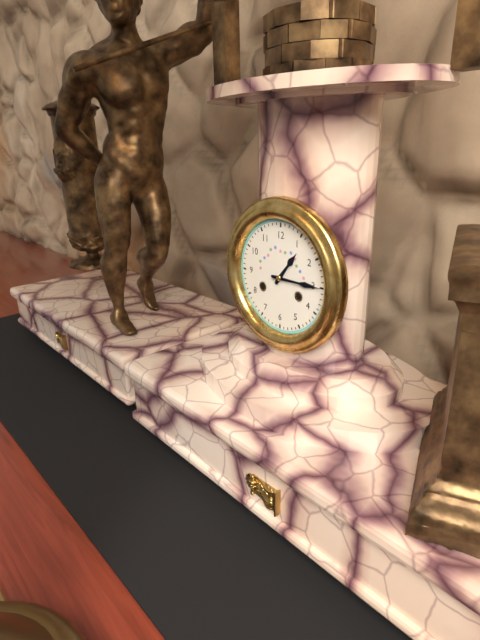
1.15
